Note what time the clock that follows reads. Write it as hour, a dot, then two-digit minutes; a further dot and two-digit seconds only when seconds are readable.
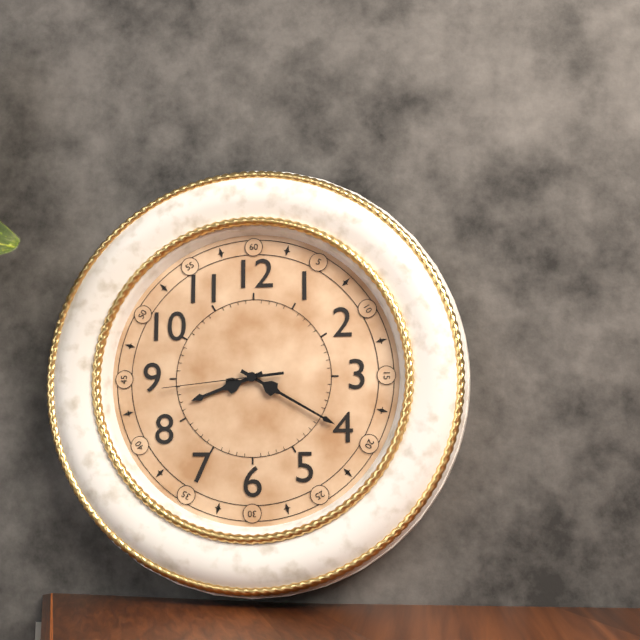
8.20.44
